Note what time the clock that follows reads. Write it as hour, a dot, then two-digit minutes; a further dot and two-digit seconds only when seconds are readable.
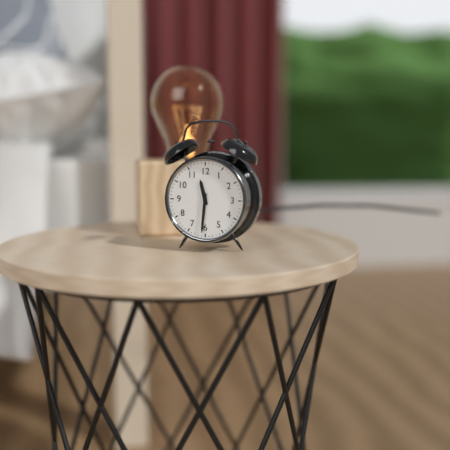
11.31
